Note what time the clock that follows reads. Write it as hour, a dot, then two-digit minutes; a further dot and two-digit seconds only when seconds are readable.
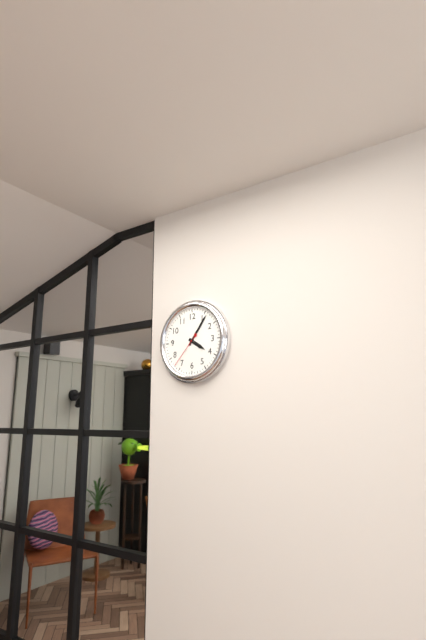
4.06
